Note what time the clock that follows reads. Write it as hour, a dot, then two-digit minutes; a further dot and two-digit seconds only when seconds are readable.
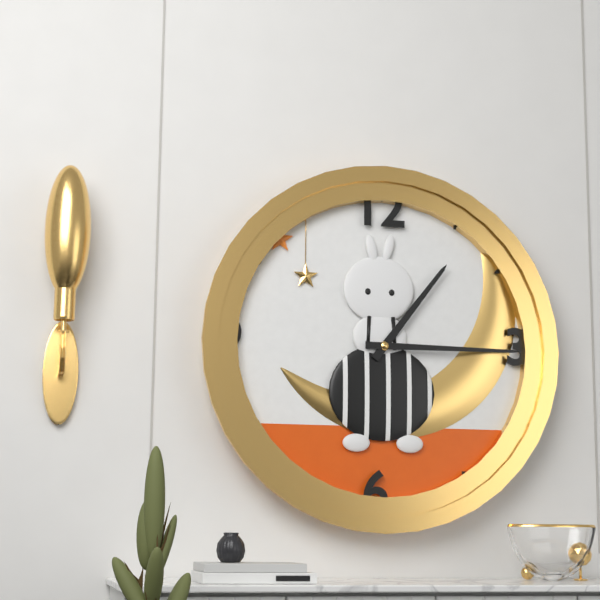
1.15
